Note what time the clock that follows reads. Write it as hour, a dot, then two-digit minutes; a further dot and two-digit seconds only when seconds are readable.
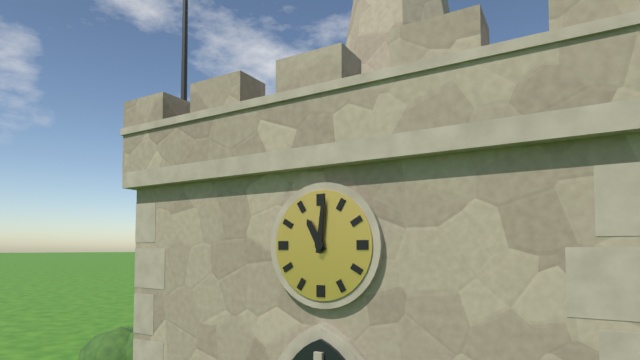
11.01
